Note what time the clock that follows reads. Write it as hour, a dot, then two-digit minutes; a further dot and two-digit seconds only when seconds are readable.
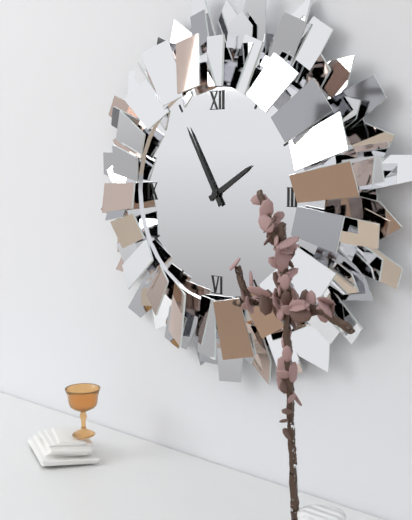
1.55
